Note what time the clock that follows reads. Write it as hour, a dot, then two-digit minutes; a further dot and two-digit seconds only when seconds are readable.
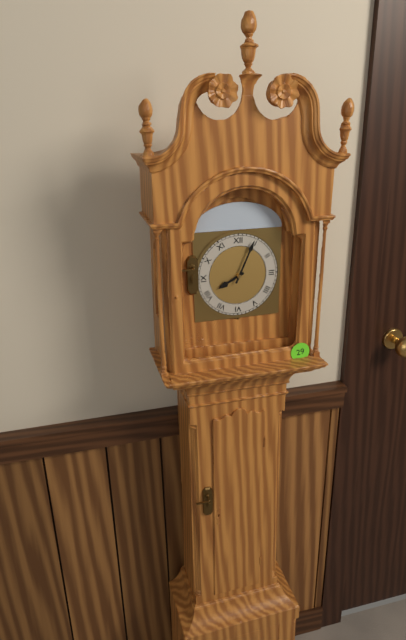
8.04
